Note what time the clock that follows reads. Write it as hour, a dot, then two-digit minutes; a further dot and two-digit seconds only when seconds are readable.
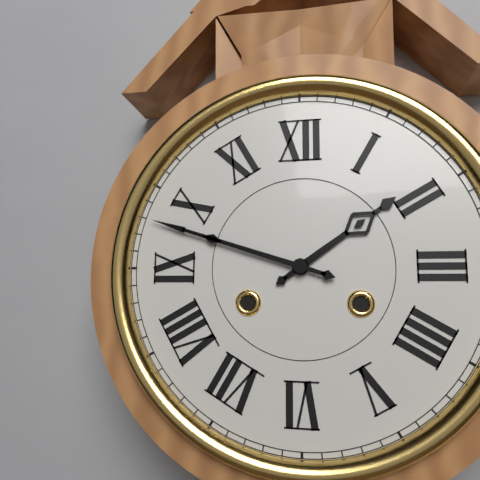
1.48
